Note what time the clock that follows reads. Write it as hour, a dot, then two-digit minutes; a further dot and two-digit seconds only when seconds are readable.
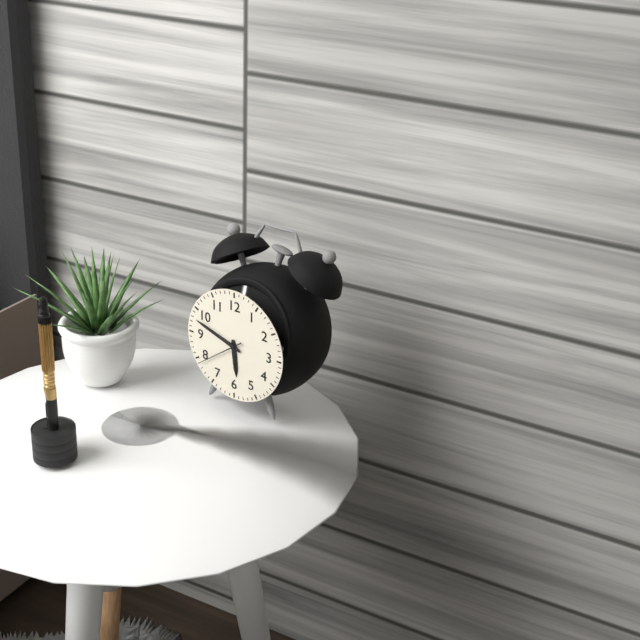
5.48
